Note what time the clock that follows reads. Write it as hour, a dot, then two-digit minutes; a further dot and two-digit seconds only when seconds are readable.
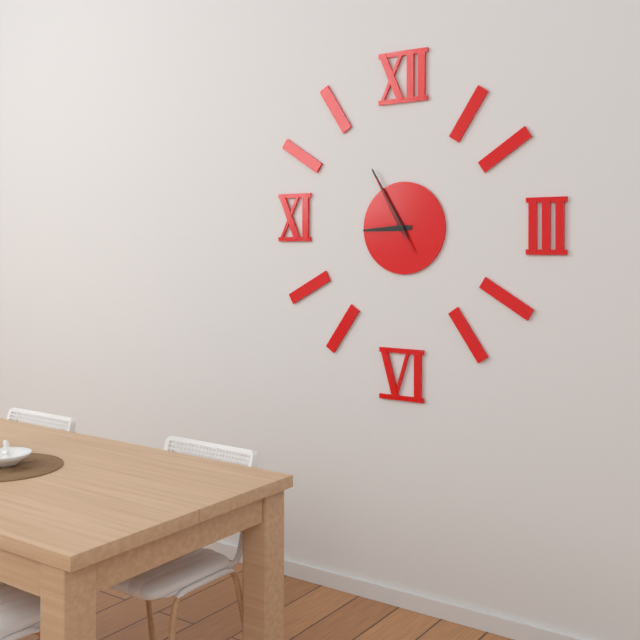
8.55.55
